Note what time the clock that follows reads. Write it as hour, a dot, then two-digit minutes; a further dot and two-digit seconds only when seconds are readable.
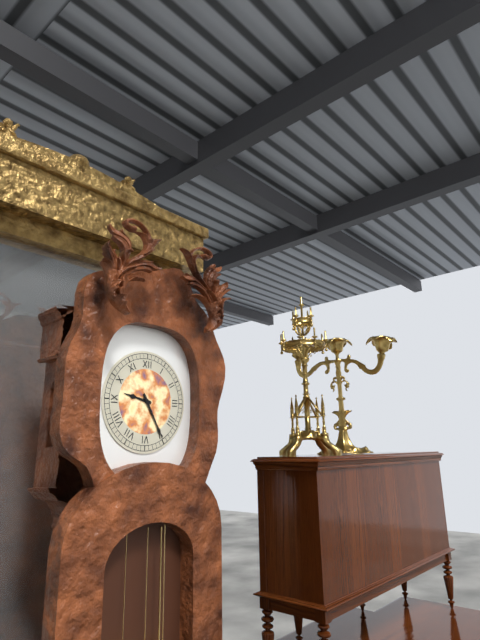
9.25
